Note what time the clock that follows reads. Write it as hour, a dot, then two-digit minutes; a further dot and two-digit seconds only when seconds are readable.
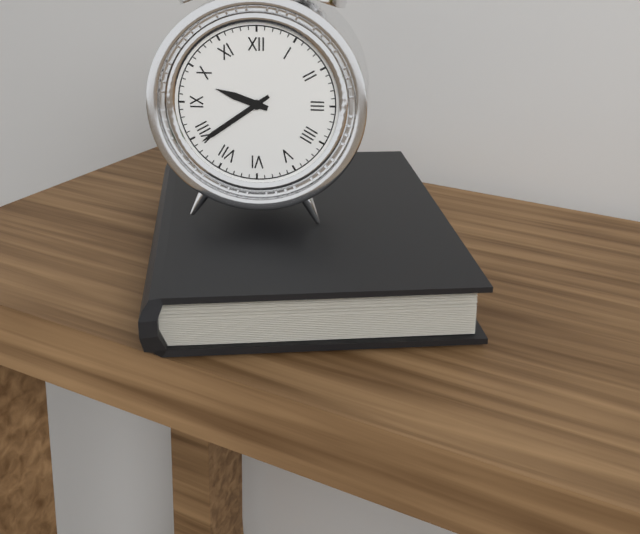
9.39
